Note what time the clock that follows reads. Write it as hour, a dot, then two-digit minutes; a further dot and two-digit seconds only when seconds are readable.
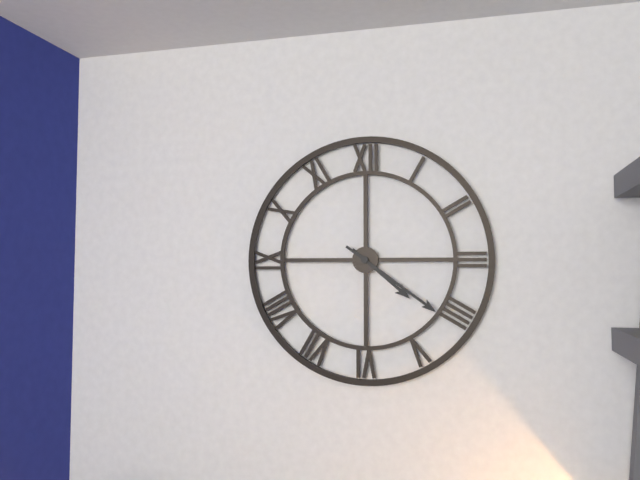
4.21
